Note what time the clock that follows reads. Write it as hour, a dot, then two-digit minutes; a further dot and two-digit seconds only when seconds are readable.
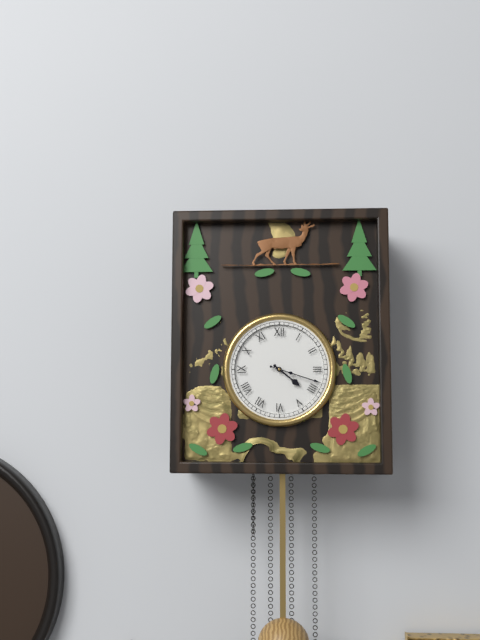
4.18
